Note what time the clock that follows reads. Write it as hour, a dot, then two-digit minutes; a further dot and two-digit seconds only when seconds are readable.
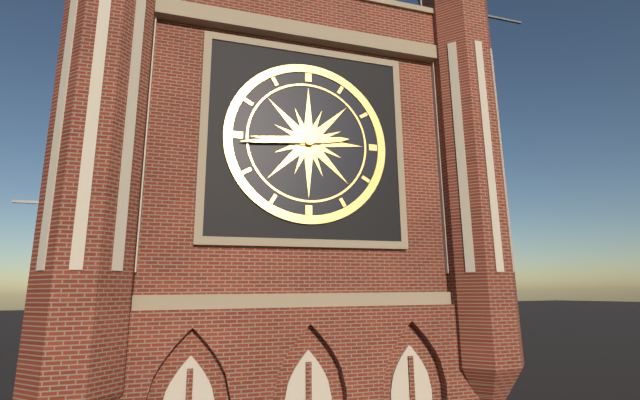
2.44
